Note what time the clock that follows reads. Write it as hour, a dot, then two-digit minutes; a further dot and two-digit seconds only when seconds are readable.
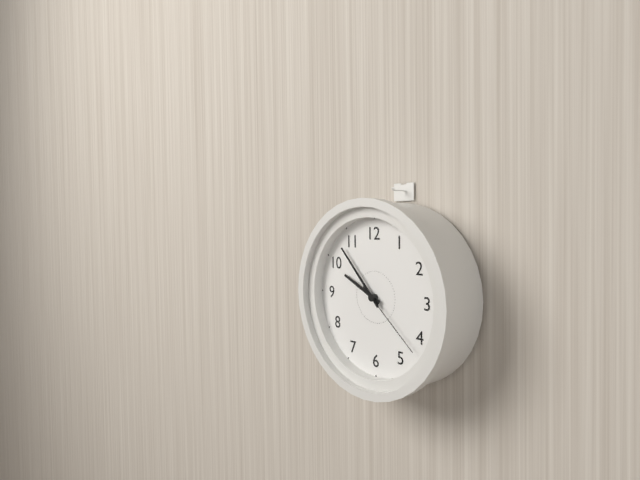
9.53.22
